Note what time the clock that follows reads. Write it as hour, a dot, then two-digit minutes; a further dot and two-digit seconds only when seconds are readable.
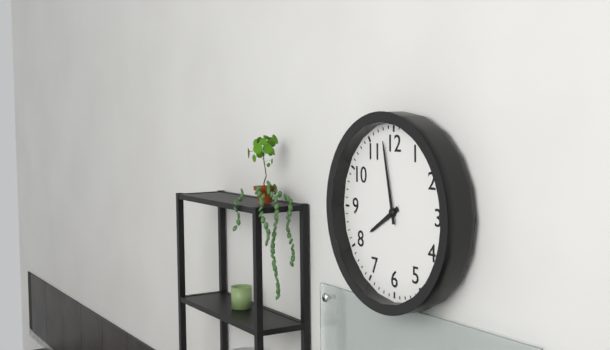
7.58
